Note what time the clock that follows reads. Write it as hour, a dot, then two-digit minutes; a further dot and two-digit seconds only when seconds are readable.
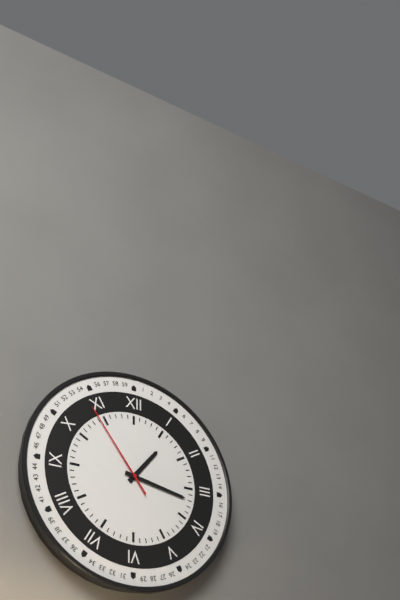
1.17.54
